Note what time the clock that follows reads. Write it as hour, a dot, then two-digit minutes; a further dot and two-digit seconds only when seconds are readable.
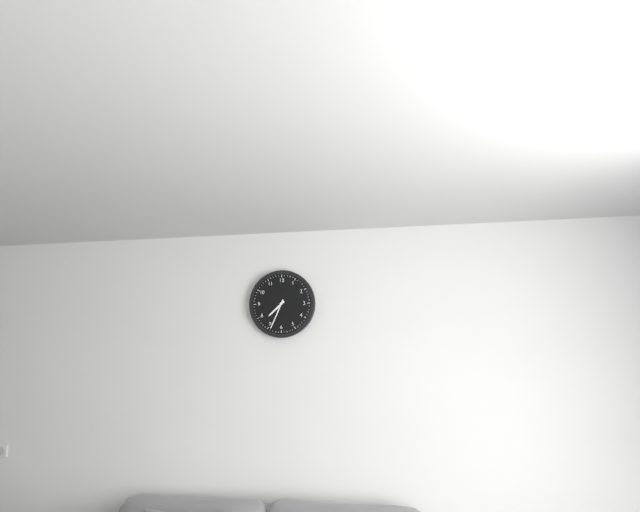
7.34
